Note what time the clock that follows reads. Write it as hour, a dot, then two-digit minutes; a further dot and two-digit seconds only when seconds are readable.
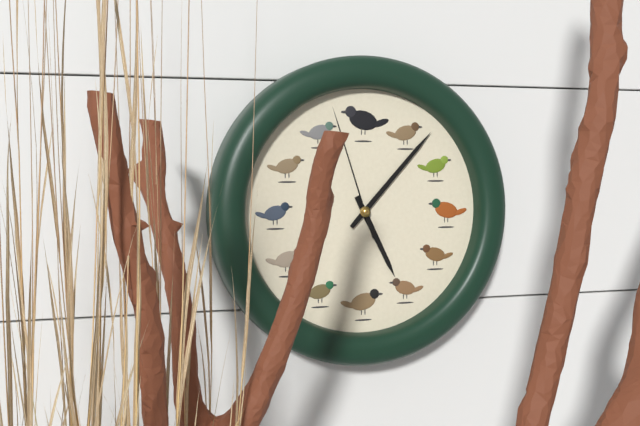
5.07.57
